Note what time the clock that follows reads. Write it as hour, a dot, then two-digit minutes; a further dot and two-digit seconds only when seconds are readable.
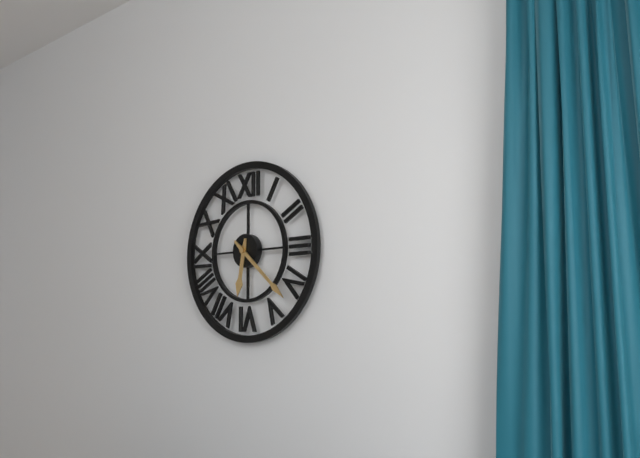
6.22
